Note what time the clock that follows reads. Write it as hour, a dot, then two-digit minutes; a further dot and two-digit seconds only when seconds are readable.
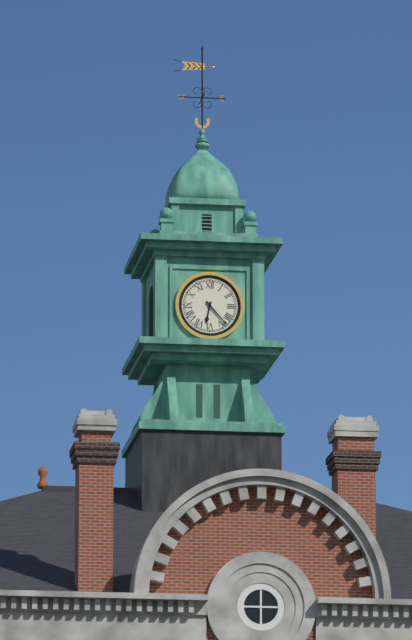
6.23
